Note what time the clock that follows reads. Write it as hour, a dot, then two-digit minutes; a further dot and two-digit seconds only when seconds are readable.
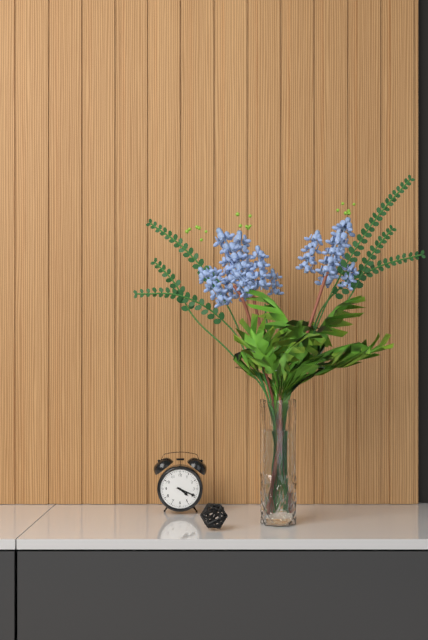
4.19
